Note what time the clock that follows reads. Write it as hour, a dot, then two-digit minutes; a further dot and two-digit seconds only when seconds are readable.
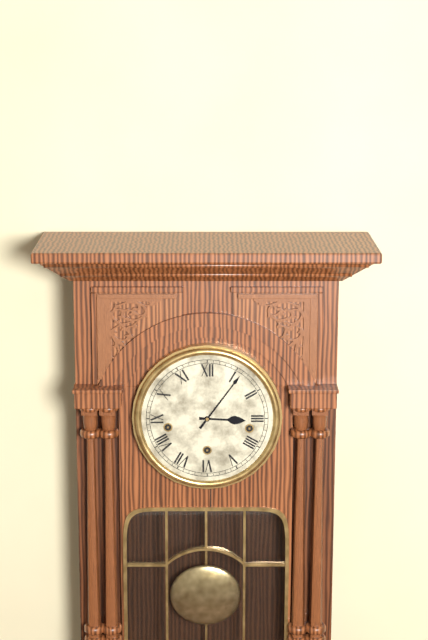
3.06
